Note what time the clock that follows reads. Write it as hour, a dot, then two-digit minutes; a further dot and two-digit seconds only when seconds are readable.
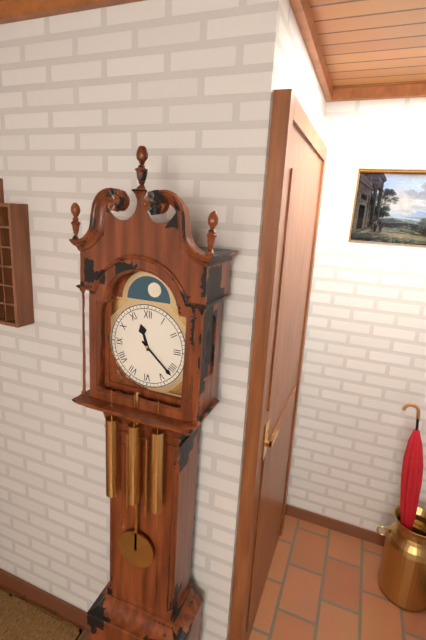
11.22
